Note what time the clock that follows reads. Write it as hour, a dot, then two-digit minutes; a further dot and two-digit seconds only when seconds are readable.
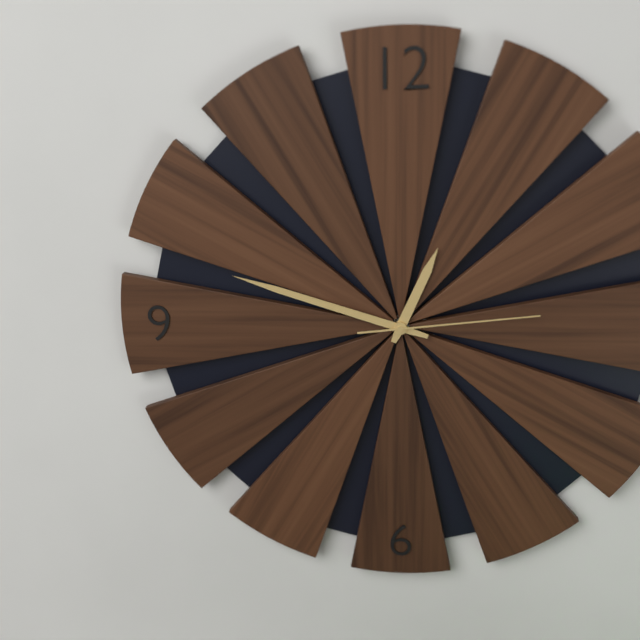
12.48.14
